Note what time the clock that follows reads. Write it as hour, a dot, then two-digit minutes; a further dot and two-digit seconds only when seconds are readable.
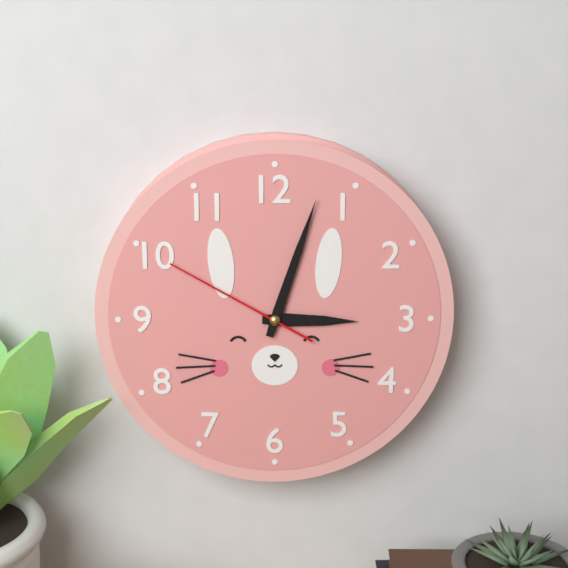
3.03.50
